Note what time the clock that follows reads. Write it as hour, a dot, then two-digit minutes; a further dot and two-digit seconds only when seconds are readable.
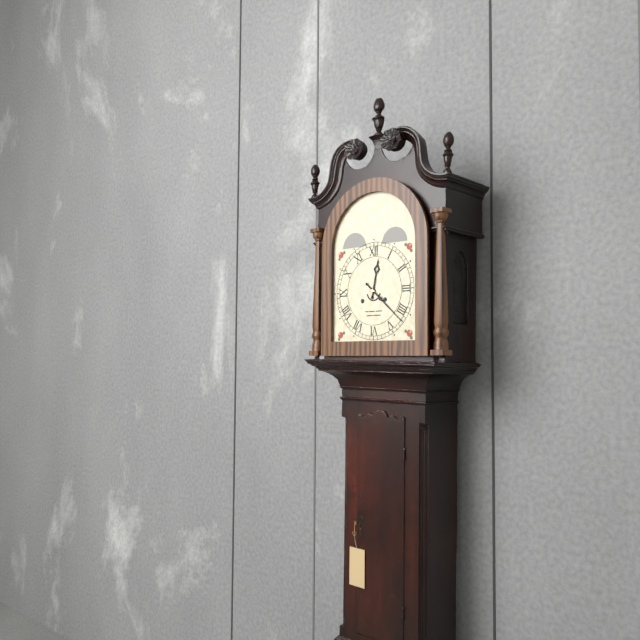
12.22
